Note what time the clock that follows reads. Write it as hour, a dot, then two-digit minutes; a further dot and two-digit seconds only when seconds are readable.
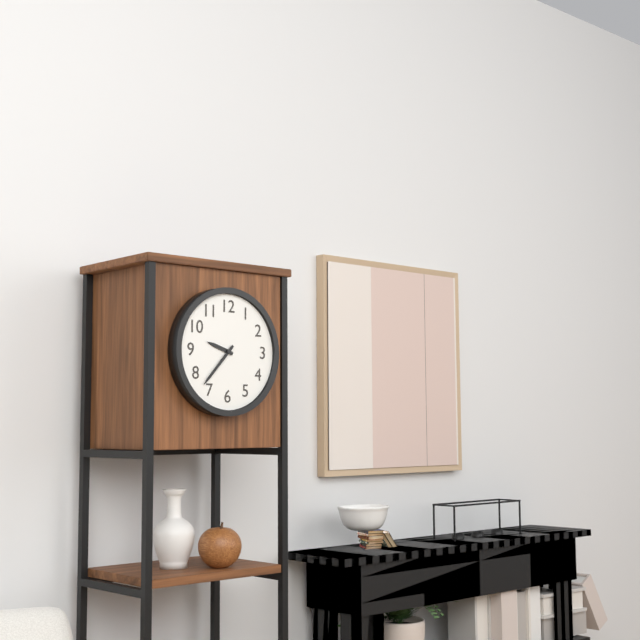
9.37
